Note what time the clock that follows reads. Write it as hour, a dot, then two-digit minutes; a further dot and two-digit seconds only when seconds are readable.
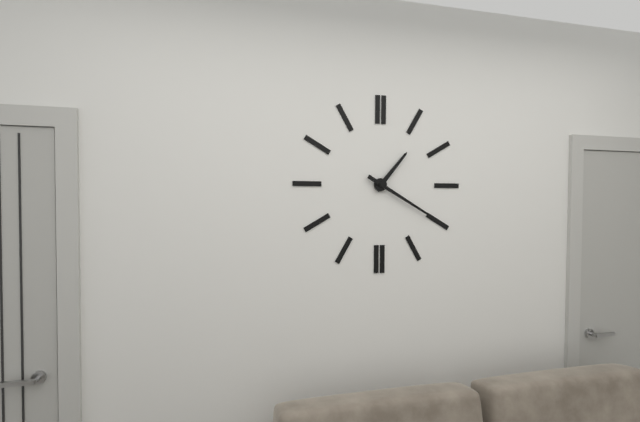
1.20
